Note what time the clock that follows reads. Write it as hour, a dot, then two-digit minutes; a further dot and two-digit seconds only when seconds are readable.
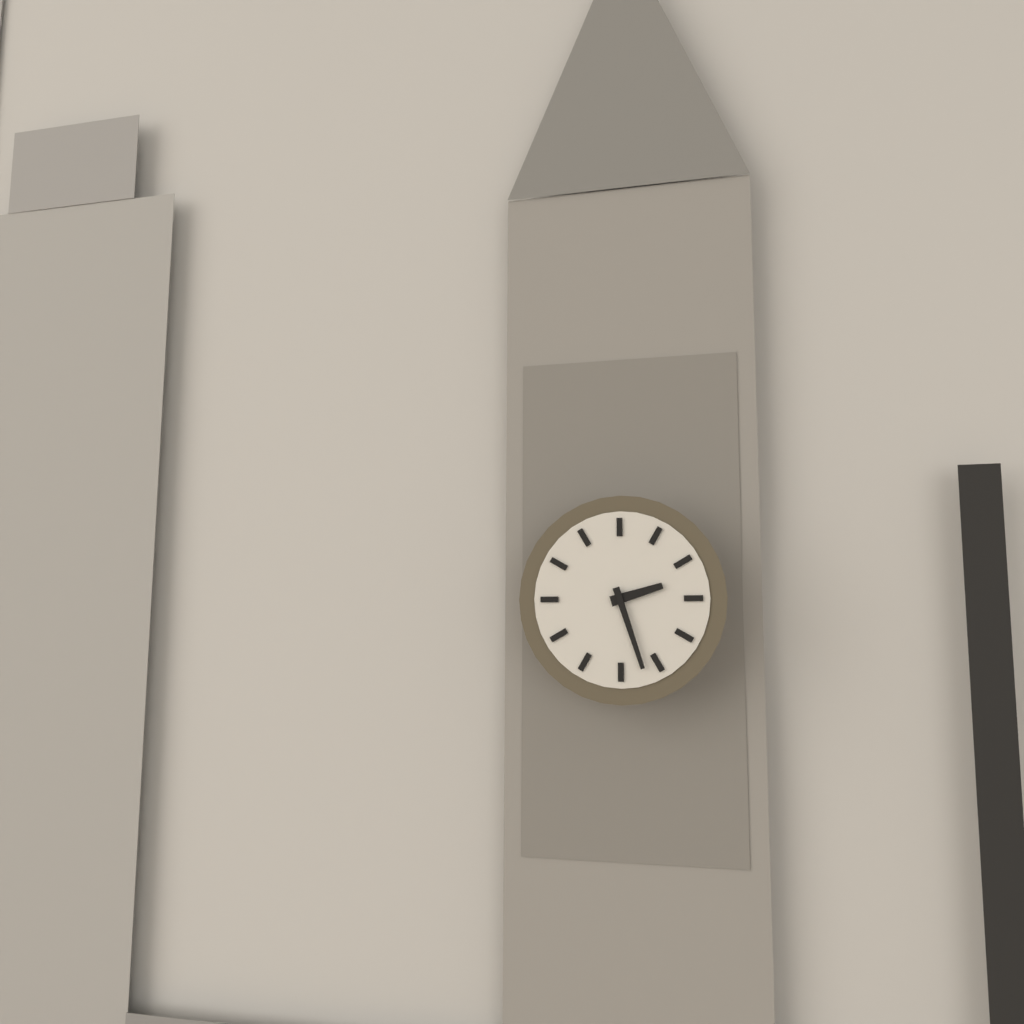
2.27
